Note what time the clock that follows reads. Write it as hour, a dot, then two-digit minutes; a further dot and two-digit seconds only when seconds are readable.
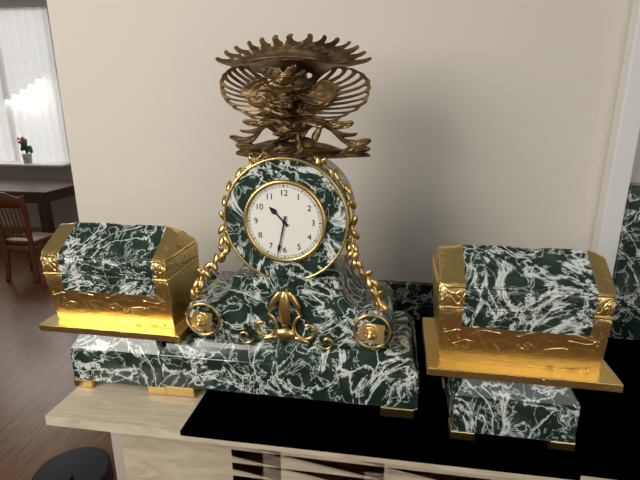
10.32
